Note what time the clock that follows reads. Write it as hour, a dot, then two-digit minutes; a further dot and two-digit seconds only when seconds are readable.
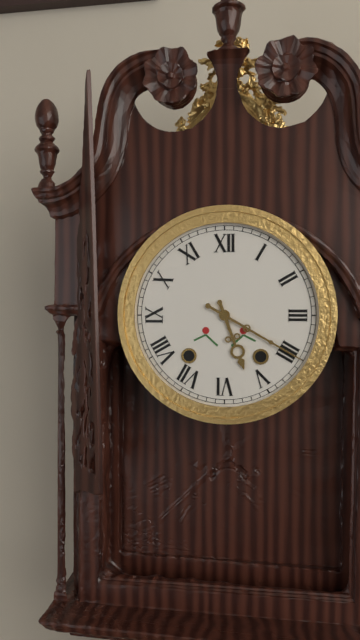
5.20
